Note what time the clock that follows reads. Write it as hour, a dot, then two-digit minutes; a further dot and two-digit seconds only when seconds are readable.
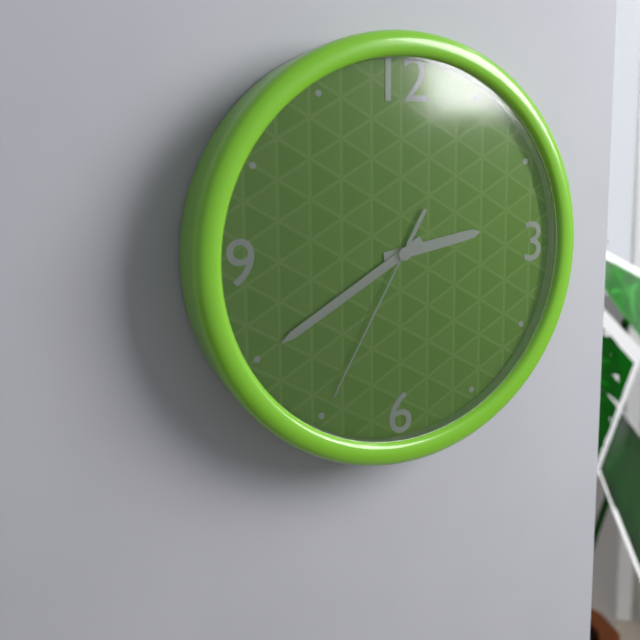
2.40.35
